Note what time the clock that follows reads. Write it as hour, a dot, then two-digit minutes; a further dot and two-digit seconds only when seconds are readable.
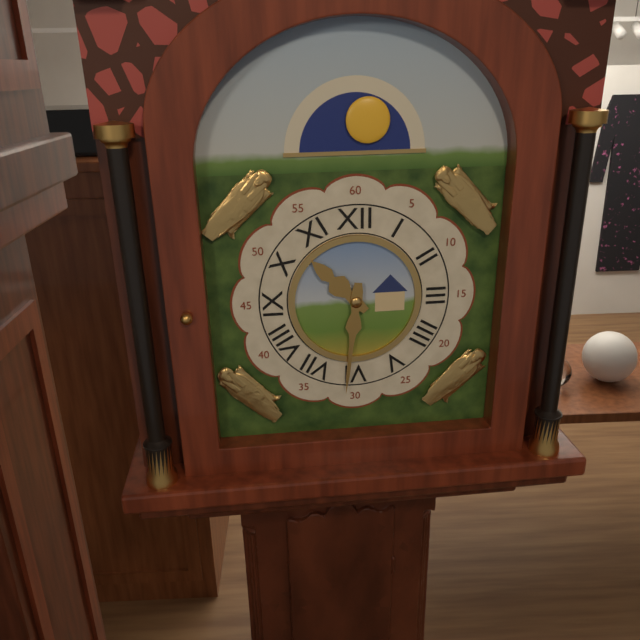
10.31
